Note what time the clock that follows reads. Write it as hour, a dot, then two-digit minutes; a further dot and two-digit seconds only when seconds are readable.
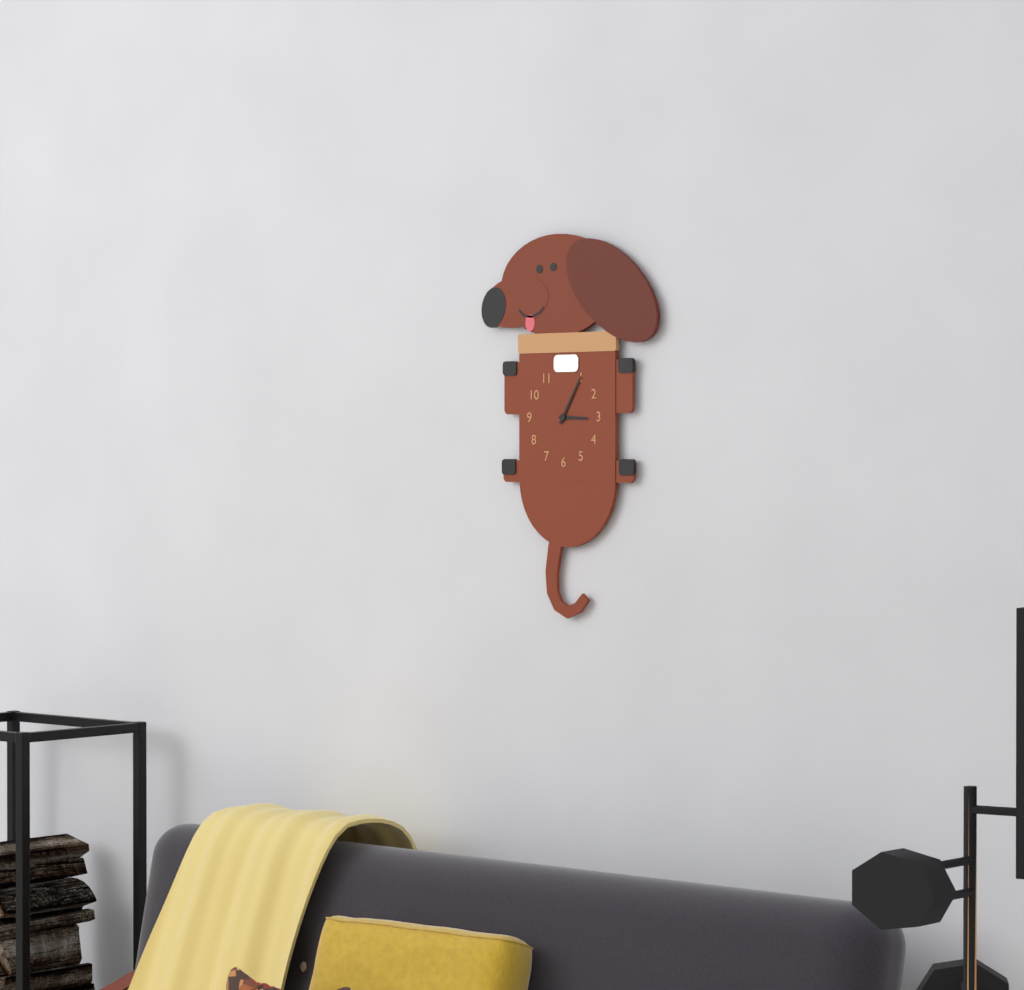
3.05
